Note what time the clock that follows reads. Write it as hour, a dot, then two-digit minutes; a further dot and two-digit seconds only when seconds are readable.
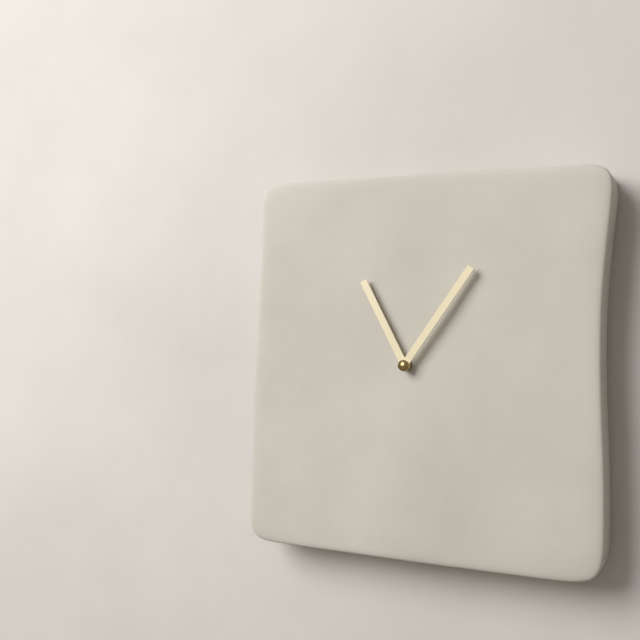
11.06
